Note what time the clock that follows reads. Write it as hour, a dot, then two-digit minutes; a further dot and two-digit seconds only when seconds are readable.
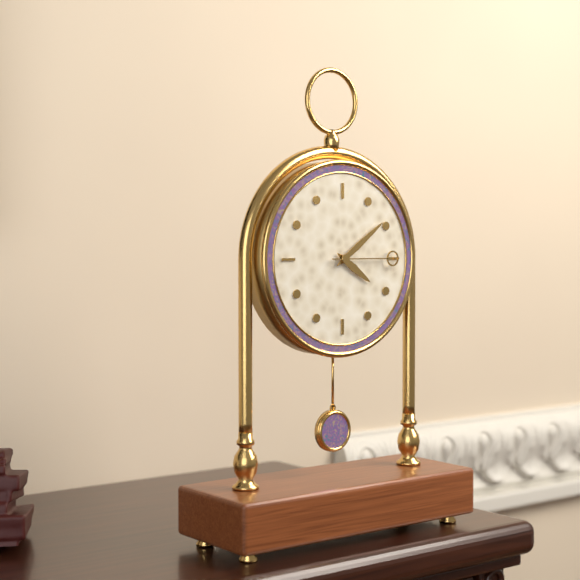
4.09.15
